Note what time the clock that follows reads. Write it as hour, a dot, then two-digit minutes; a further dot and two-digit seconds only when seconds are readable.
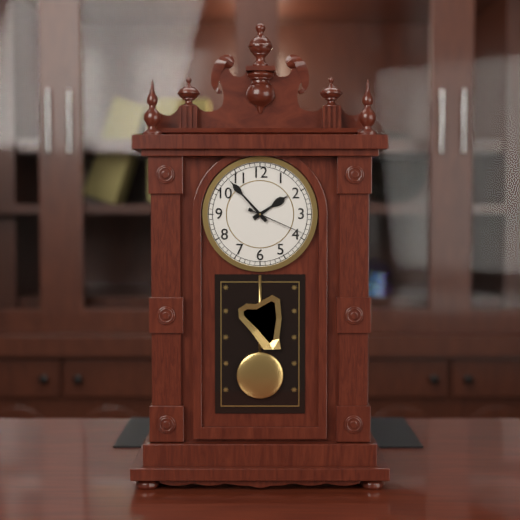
1.53.19
